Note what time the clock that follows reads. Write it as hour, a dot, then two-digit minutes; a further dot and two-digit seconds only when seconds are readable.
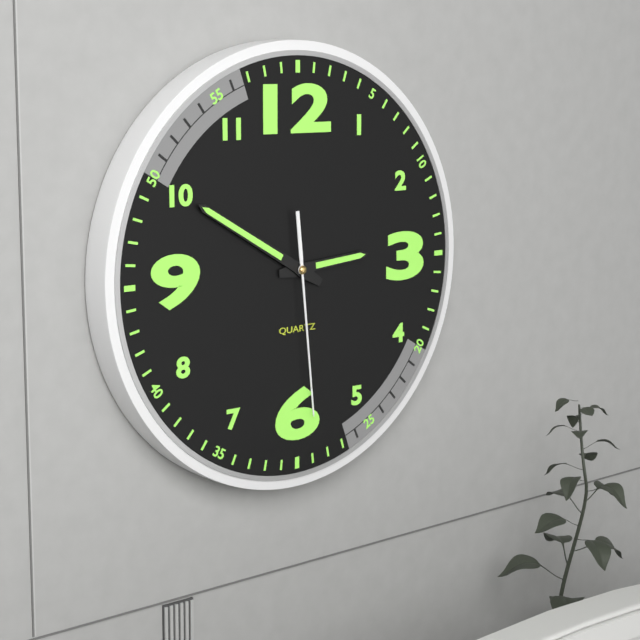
2.50.29
